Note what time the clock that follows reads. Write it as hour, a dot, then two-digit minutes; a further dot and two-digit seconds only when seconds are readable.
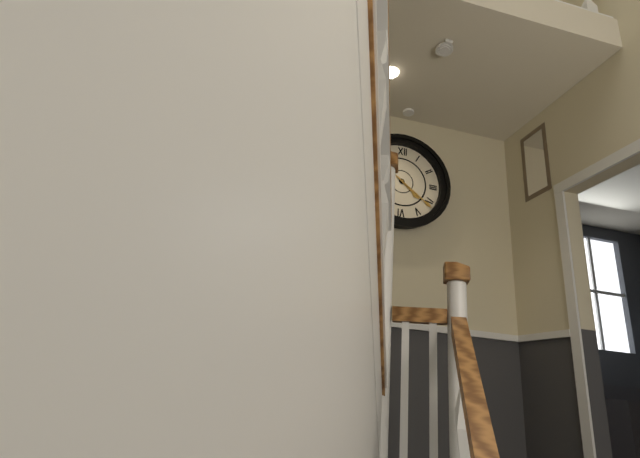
4.21
